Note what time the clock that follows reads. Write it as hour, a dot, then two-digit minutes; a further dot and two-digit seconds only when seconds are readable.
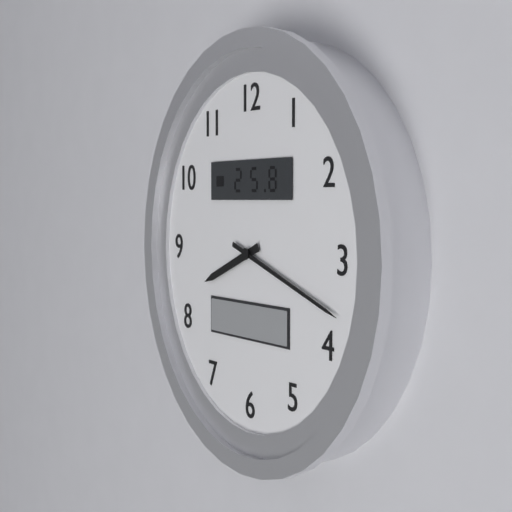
8.18
